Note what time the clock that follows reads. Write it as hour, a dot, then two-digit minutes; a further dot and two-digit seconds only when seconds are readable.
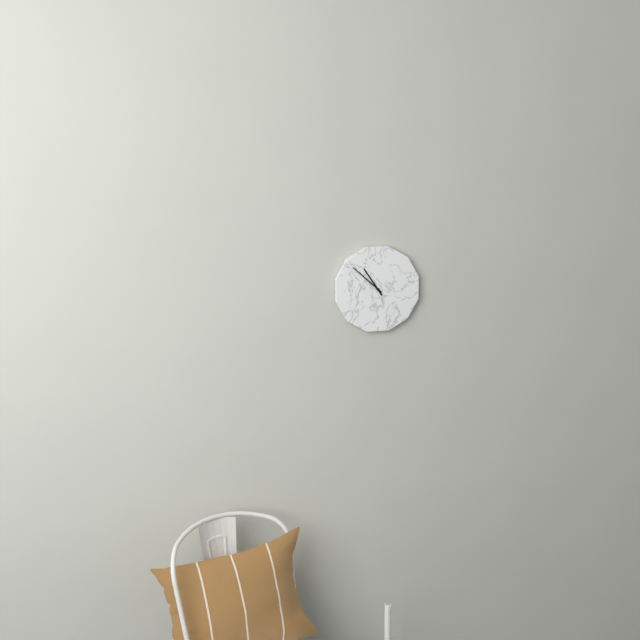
10.52
